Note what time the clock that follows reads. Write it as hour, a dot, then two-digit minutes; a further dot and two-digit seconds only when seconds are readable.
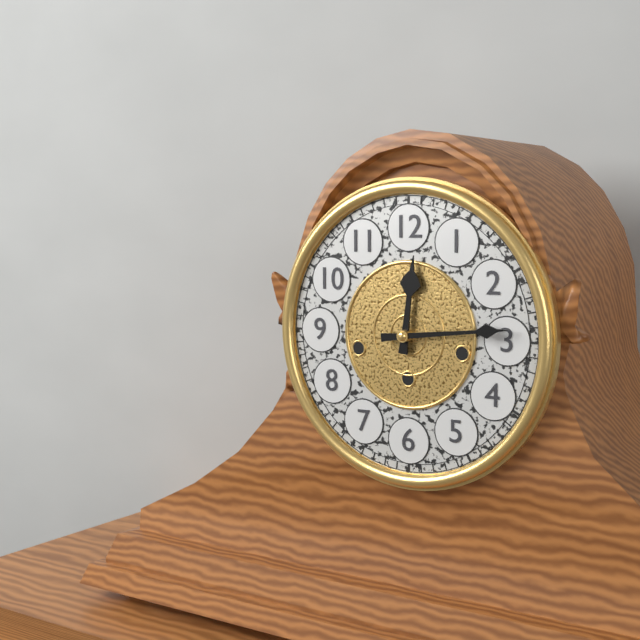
12.14
